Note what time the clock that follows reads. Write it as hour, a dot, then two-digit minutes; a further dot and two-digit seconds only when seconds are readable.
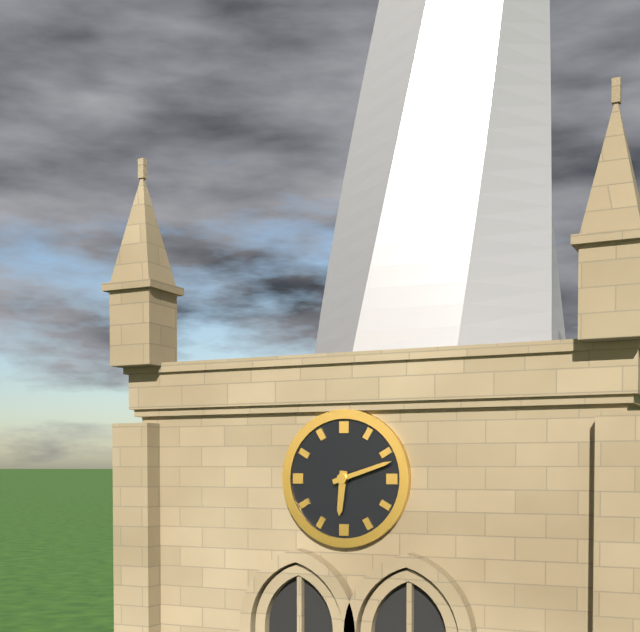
6.12
